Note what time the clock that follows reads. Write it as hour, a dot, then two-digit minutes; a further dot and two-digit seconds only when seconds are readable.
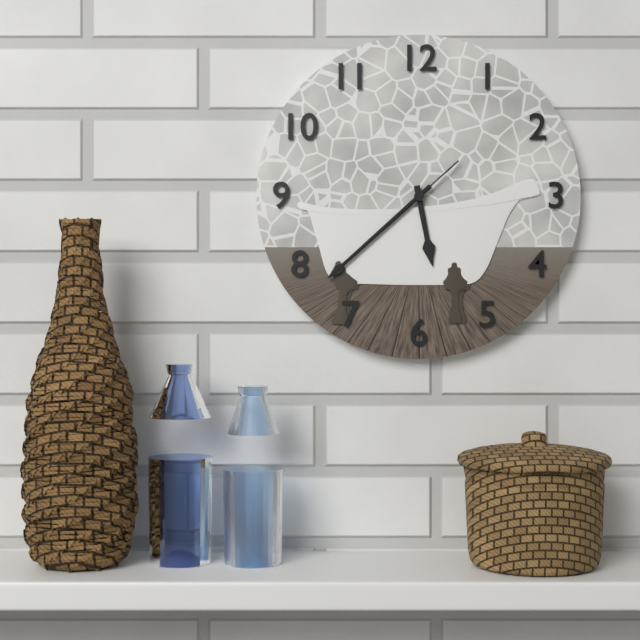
5.38.38
